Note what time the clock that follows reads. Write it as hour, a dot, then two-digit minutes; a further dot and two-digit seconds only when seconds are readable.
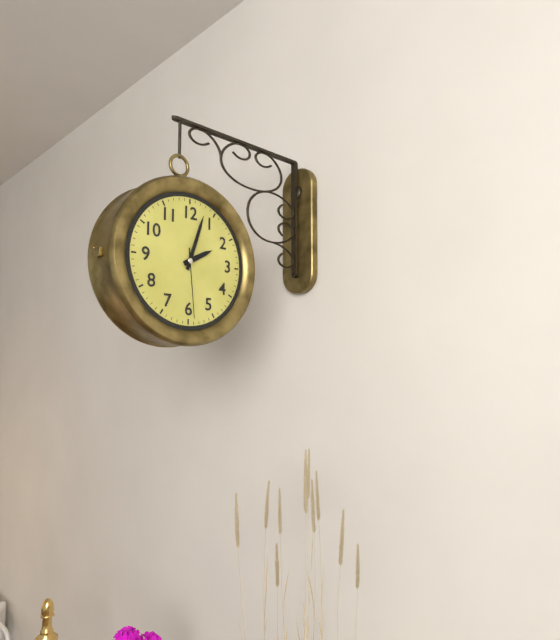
2.03.29
